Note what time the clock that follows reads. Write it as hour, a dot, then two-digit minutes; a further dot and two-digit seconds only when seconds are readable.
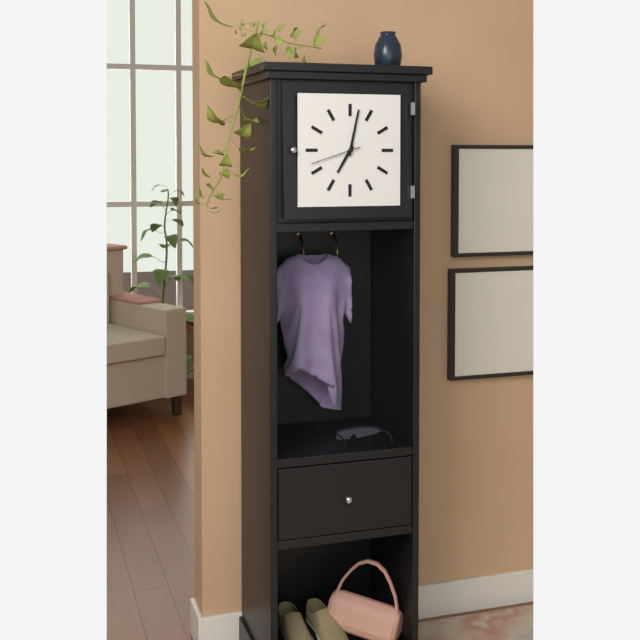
7.02.42
